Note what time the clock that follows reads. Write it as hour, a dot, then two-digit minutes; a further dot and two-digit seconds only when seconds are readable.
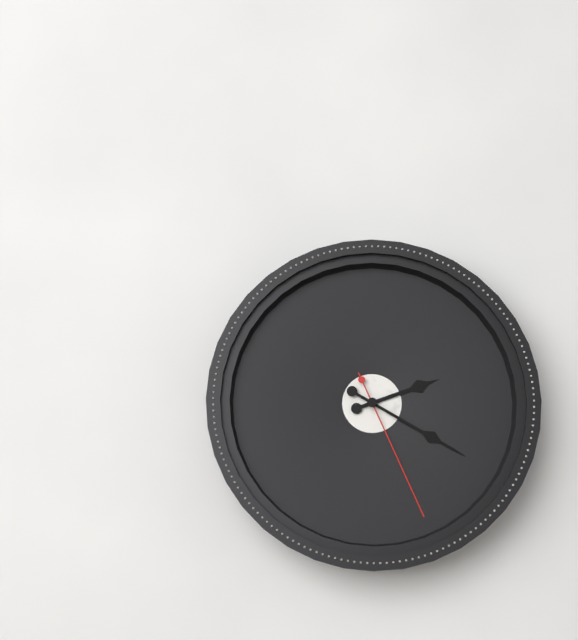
2.20.26
